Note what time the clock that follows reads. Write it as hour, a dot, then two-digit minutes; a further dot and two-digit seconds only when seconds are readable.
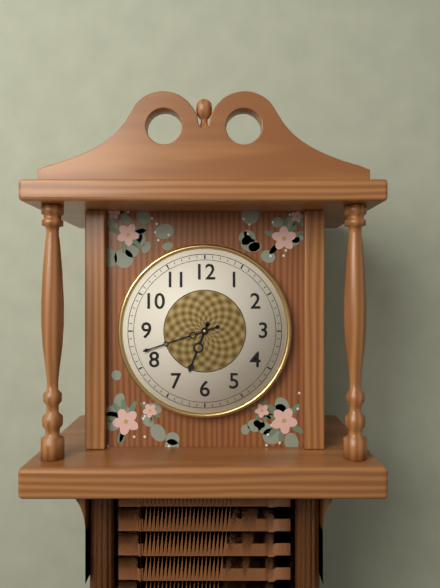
6.42
